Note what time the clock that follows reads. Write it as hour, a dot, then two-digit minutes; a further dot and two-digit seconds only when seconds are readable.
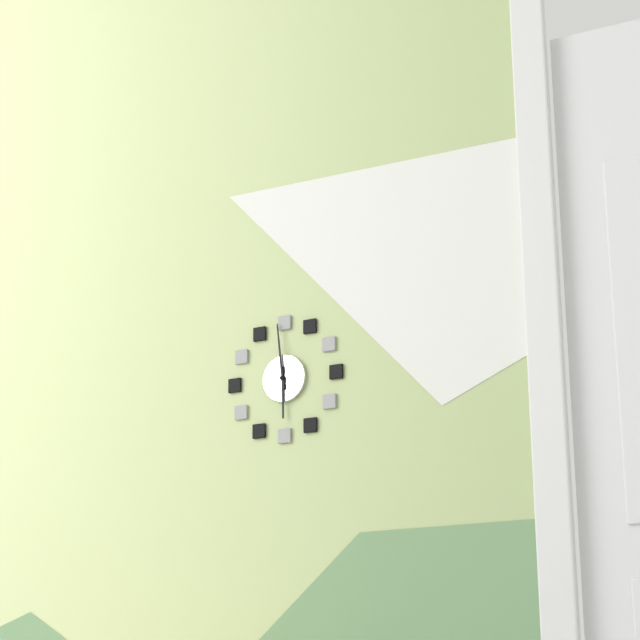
5.59
